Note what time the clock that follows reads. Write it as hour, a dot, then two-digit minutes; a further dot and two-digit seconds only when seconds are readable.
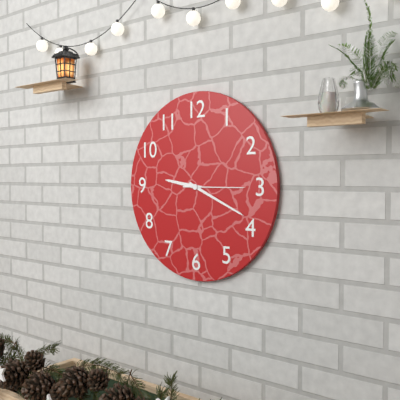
9.19.15
